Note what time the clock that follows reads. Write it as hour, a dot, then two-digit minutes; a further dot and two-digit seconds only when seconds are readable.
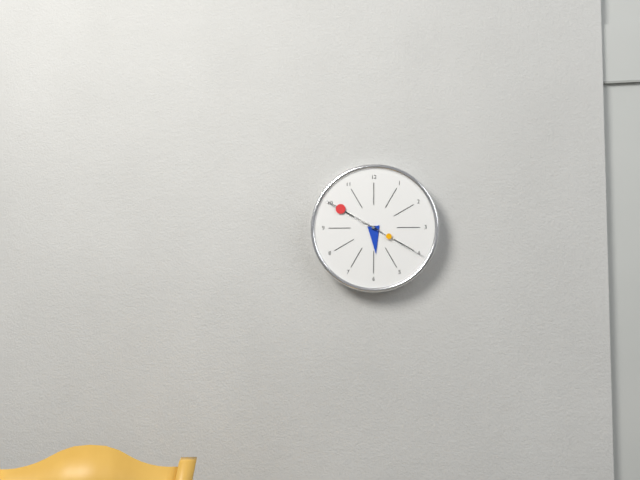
5.50.20
